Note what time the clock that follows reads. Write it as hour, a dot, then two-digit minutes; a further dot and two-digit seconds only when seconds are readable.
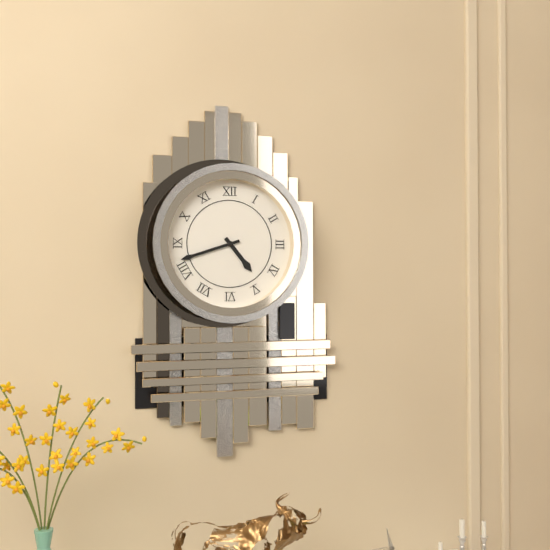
4.42
